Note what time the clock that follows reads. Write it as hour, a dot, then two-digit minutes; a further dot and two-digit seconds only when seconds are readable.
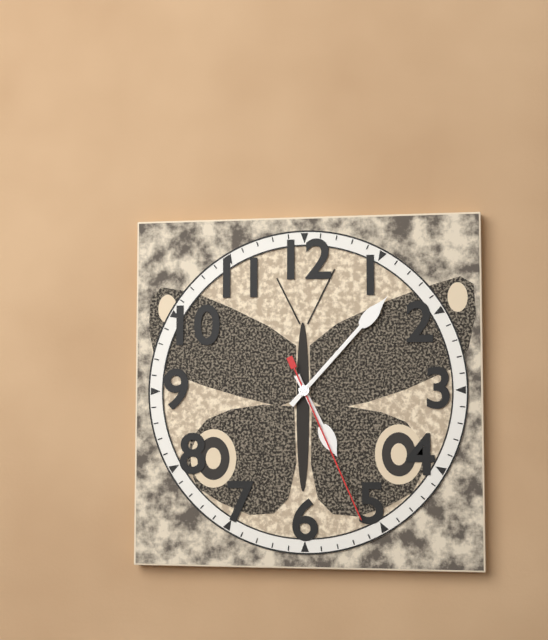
5.07.26
